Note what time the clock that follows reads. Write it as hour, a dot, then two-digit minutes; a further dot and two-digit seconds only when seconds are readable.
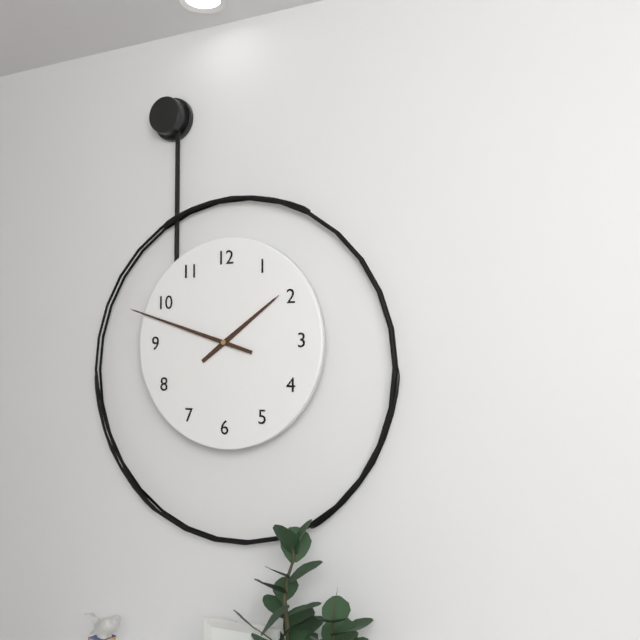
1.48
